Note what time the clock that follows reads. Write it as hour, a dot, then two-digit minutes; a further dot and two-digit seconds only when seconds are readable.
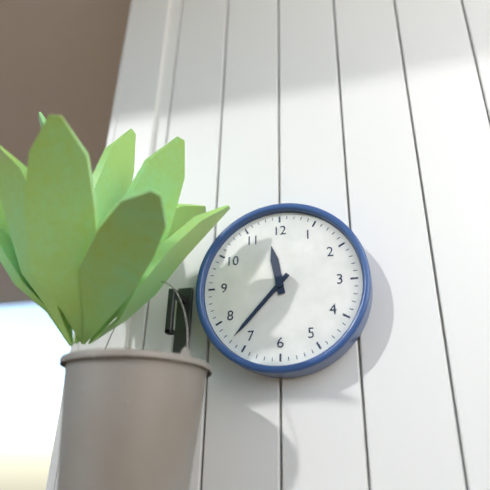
11.37
